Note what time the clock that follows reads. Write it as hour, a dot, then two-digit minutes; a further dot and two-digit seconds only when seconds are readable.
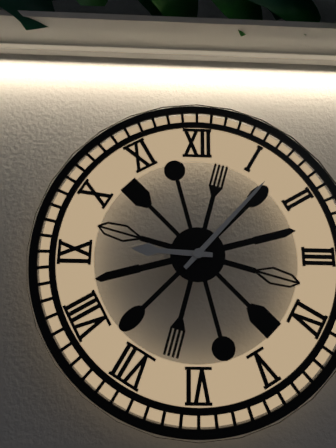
9.07
